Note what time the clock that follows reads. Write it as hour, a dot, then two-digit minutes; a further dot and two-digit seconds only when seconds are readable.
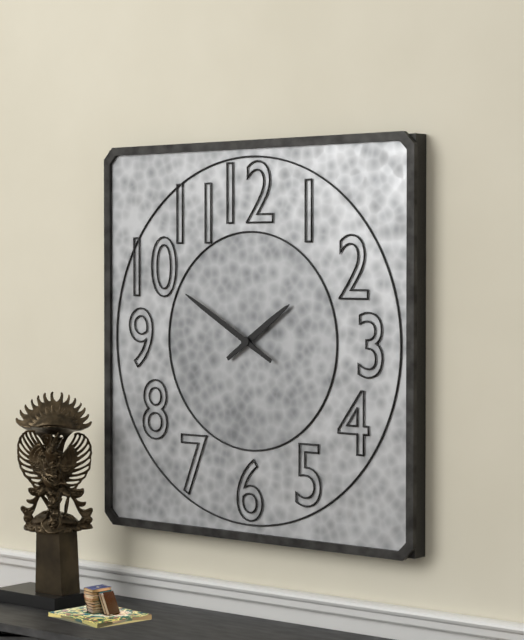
1.50
